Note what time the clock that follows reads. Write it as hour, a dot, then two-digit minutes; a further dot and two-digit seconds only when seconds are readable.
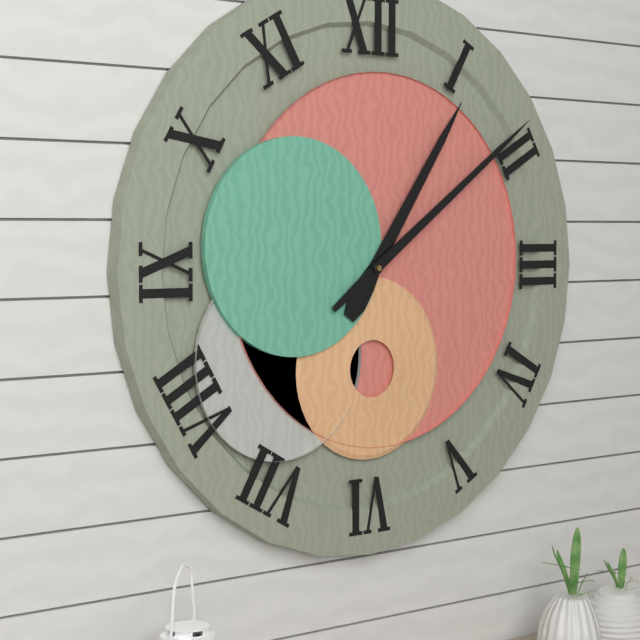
1.09
